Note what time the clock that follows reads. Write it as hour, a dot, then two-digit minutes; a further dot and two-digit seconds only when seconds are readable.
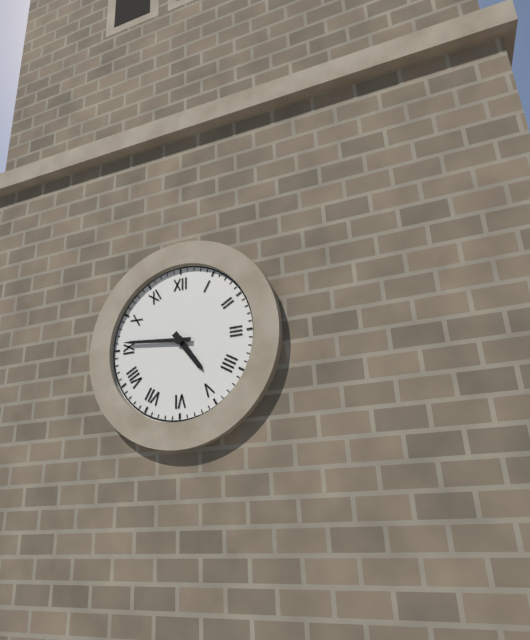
4.46
